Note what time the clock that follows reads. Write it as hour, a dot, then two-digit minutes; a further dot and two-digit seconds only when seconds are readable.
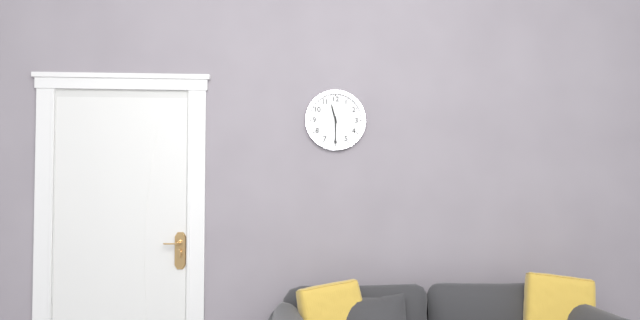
11.30
